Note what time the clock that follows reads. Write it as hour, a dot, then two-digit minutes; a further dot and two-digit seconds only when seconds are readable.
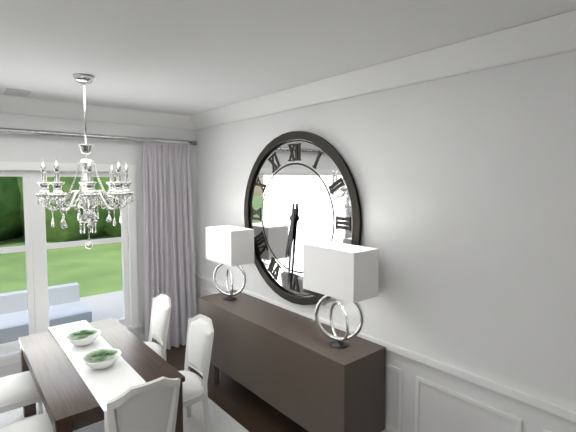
6.31
